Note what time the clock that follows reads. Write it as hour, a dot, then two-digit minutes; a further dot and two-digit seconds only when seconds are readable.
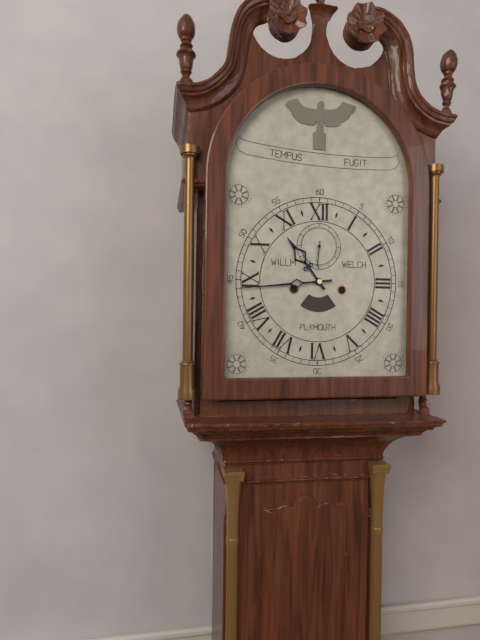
10.44
